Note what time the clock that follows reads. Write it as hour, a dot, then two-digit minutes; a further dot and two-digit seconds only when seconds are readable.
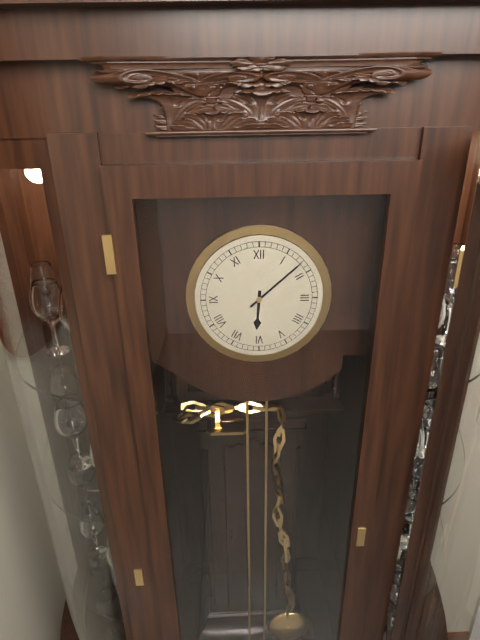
6.08
